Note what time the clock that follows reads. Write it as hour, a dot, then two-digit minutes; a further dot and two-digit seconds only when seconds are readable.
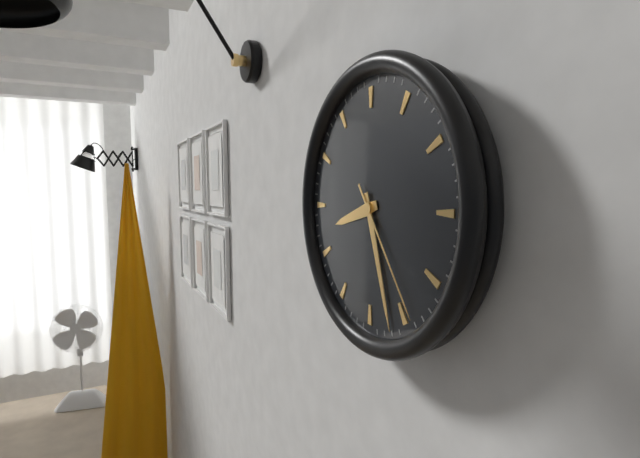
8.27.24
